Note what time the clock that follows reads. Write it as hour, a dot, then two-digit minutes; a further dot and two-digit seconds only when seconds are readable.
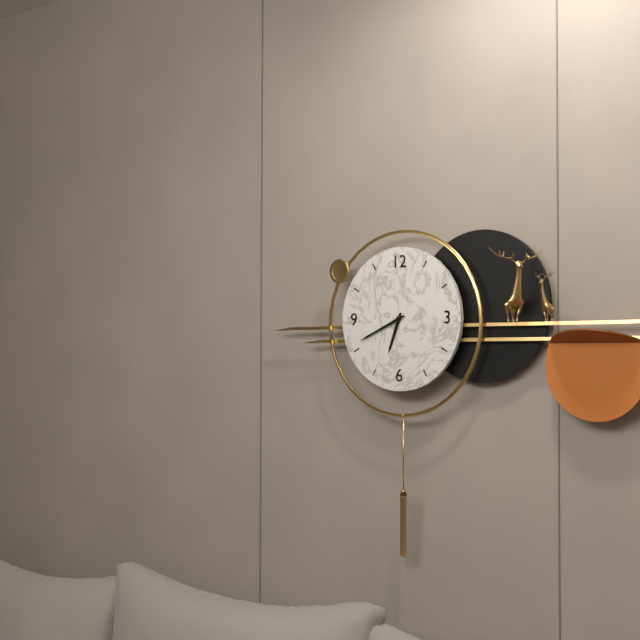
6.41
